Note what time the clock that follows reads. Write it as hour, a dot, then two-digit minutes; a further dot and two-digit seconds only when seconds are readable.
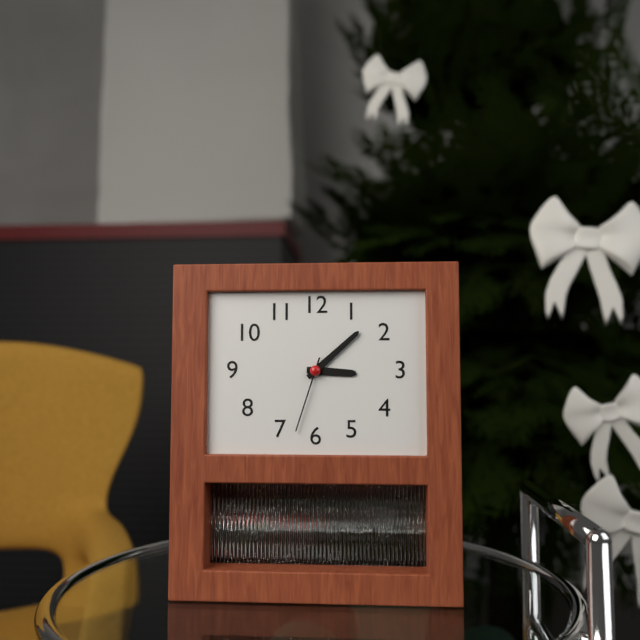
3.08.33
